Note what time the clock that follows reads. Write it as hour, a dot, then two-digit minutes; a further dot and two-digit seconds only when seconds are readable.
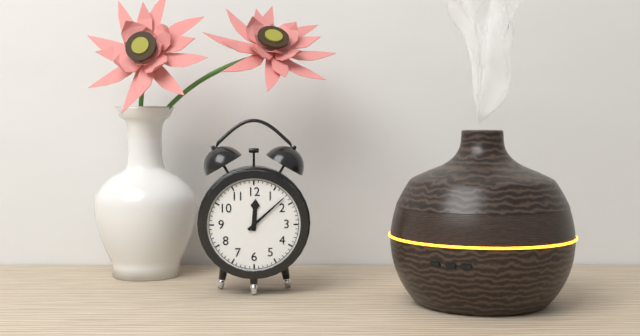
12.08
